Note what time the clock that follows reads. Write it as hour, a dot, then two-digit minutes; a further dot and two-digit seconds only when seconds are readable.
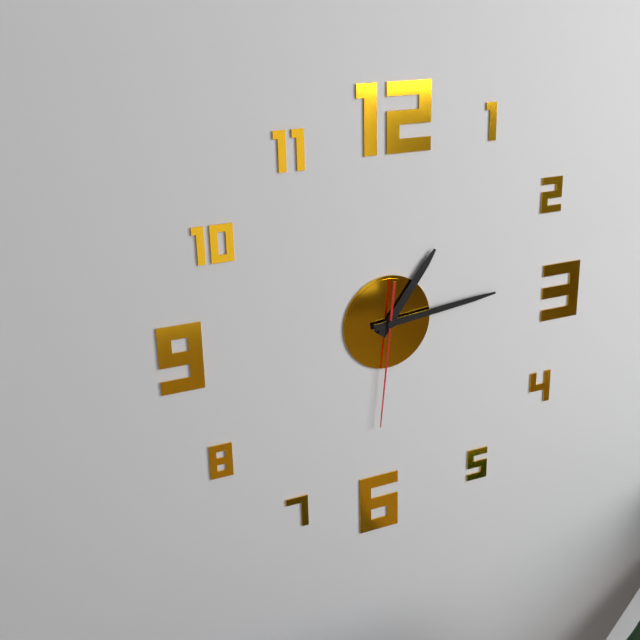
1.14.31
